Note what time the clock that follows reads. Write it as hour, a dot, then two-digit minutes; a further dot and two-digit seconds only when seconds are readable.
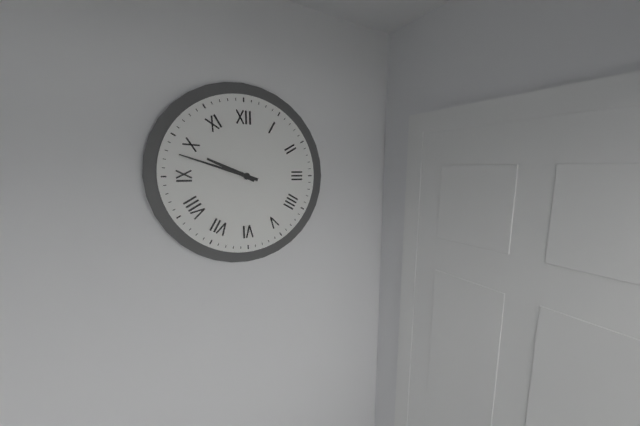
9.48
